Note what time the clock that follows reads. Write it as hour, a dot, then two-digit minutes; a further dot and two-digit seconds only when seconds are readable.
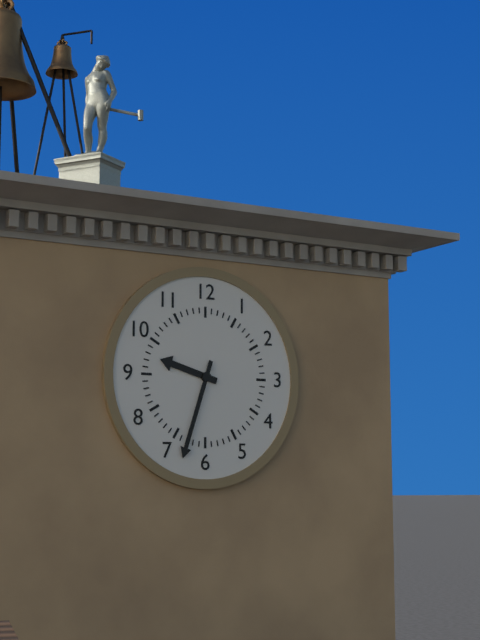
9.33
